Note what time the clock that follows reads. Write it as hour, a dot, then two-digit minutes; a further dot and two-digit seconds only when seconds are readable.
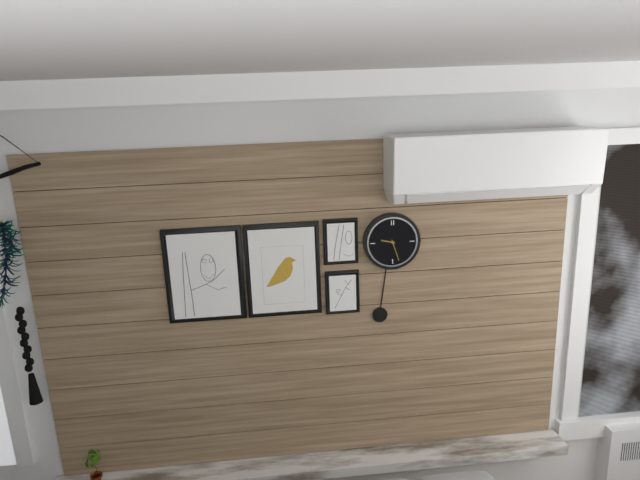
9.27
